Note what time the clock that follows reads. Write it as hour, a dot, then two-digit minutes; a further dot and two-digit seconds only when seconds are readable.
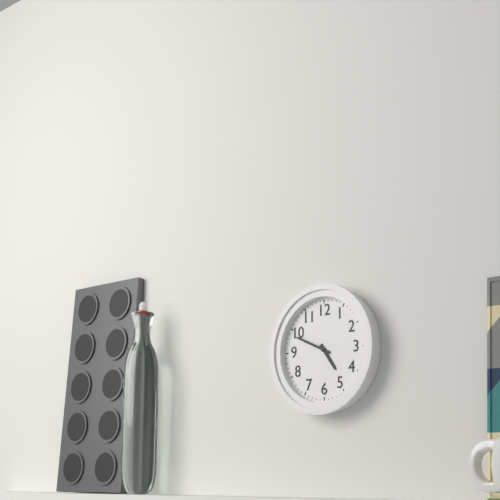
4.49
